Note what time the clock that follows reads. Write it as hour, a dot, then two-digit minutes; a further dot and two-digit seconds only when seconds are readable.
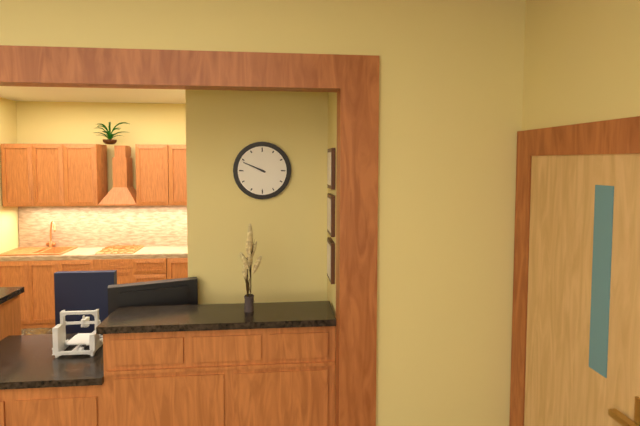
9.49
